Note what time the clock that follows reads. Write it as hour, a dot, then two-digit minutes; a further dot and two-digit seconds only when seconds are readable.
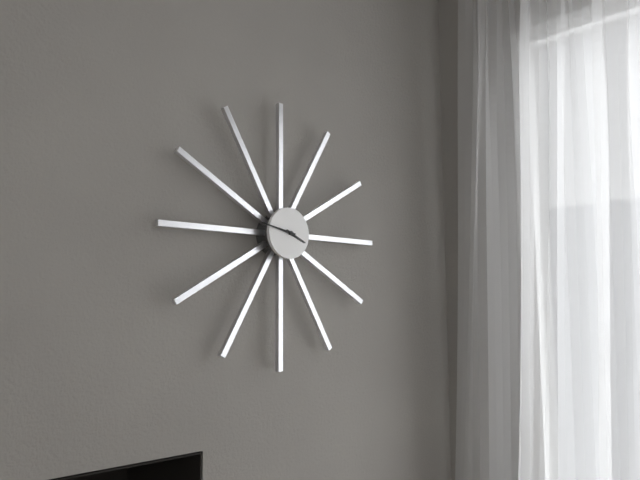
3.47
